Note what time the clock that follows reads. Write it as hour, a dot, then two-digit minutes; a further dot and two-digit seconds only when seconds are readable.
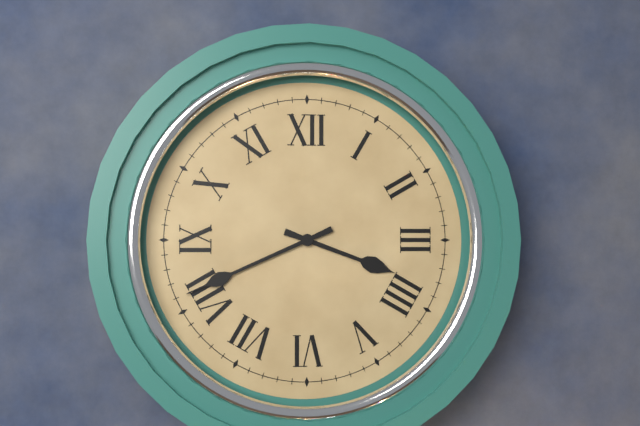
3.41
